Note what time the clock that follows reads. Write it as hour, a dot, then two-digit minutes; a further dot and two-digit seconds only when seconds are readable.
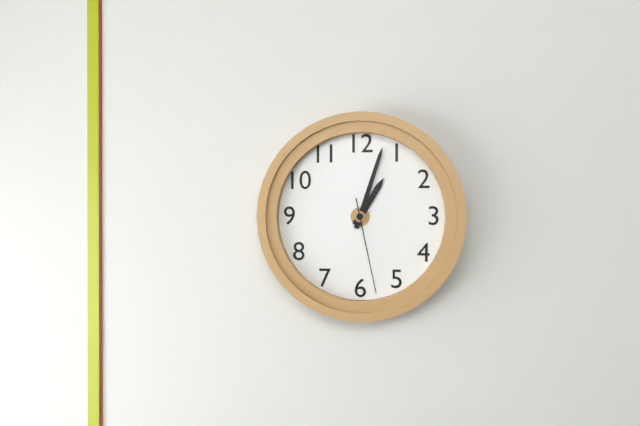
1.03.28
